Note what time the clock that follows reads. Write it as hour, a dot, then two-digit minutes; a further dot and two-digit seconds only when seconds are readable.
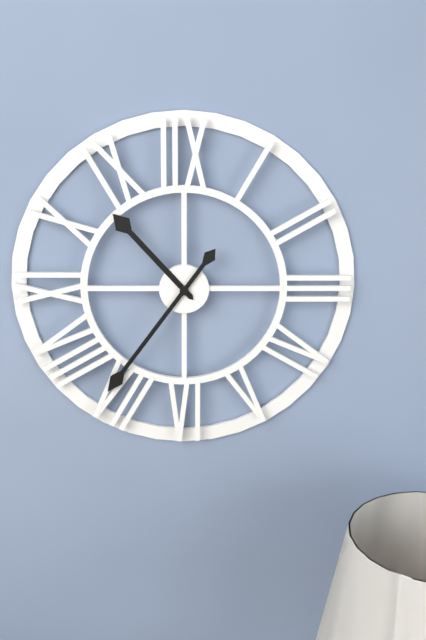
10.36
